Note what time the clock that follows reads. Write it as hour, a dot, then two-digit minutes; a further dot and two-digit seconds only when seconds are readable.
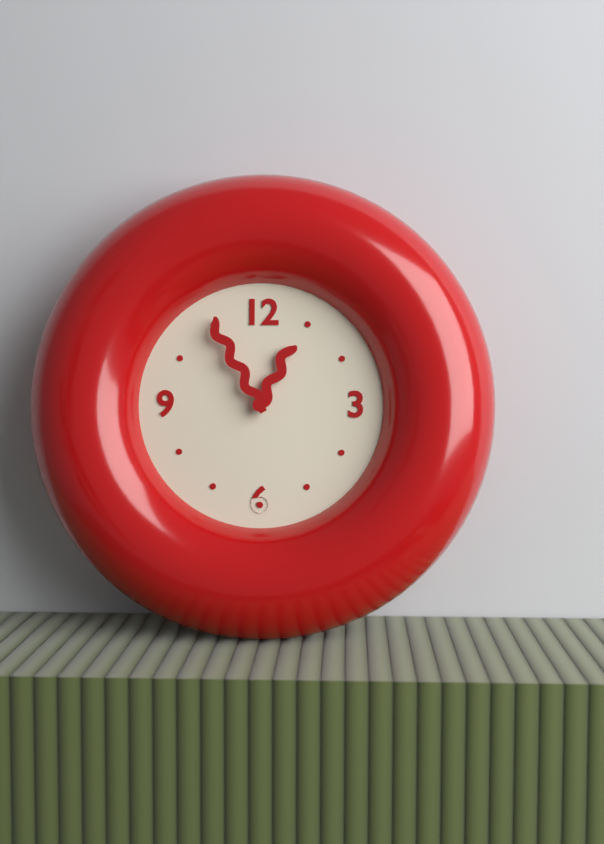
12.55
